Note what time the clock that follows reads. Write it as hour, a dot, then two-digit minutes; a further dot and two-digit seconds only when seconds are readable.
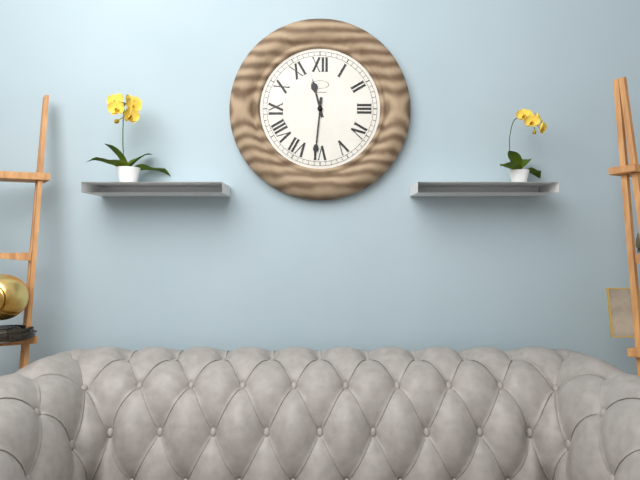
11.31
